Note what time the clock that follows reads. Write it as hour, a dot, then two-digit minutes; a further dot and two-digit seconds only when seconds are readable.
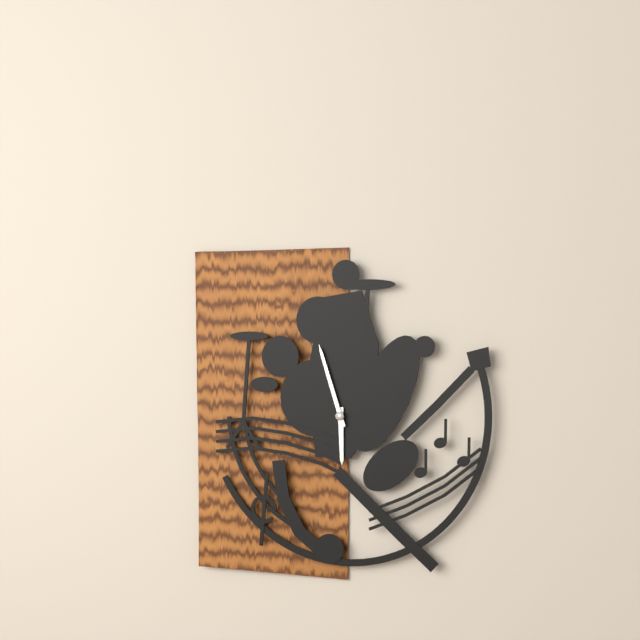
5.57
